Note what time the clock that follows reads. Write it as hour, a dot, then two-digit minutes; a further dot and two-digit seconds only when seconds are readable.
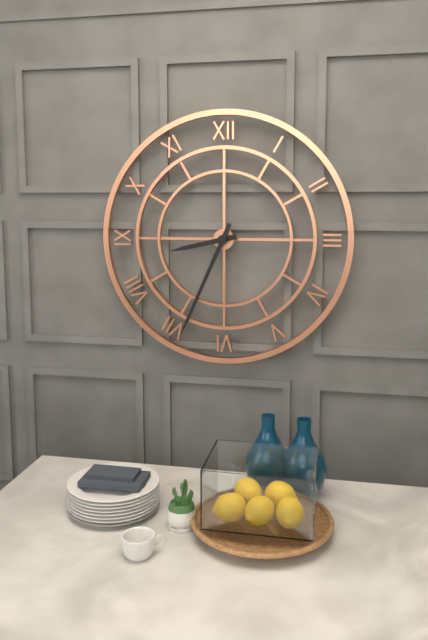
8.34
